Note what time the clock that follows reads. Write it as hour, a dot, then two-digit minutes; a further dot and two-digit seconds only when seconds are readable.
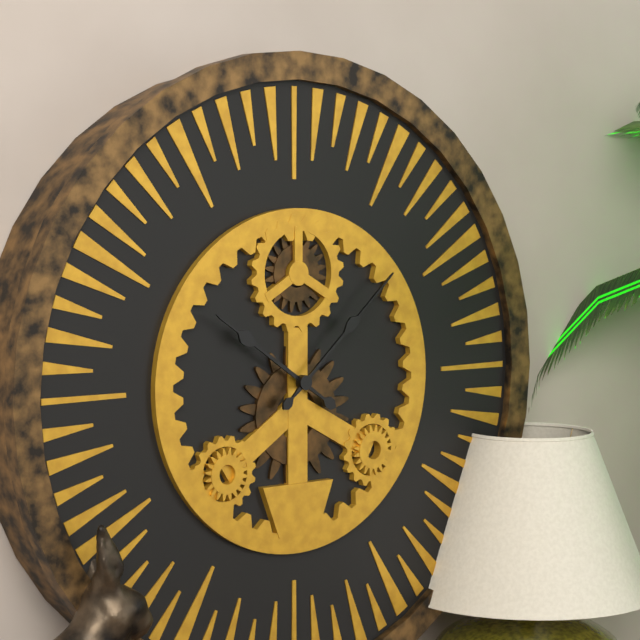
10.08
